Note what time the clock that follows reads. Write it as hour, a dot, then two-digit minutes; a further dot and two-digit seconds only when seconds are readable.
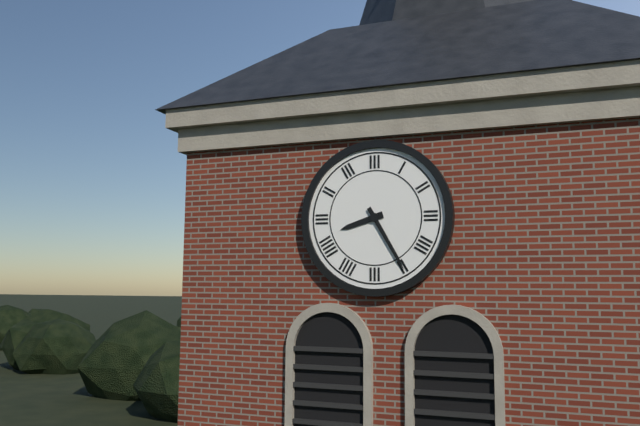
8.25
